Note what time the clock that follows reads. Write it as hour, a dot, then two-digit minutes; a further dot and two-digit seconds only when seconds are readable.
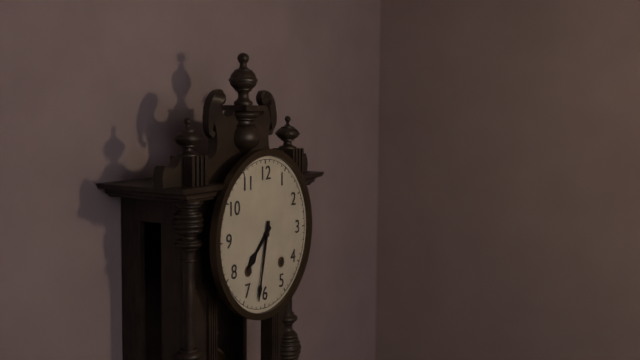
7.32
